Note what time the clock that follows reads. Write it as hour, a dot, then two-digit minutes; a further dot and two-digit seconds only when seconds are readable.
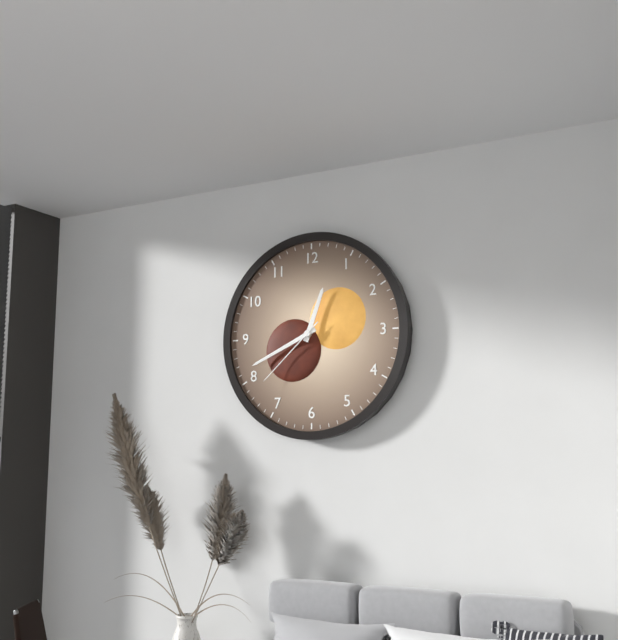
12.41.38
